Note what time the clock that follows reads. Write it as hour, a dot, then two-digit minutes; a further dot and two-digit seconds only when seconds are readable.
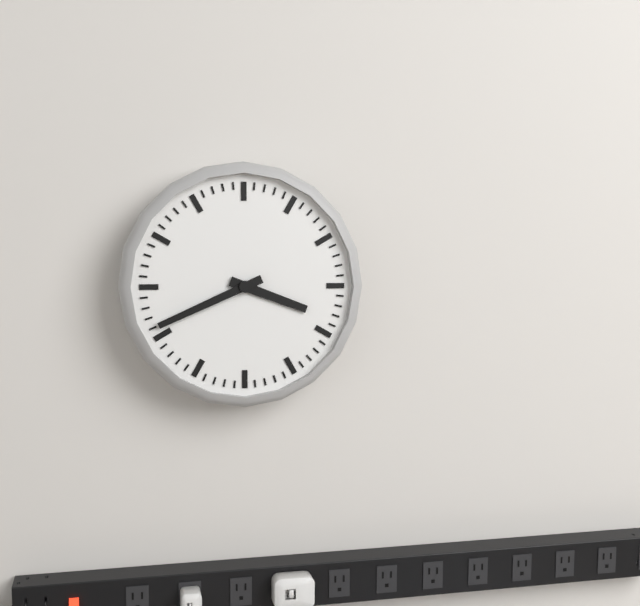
3.41
